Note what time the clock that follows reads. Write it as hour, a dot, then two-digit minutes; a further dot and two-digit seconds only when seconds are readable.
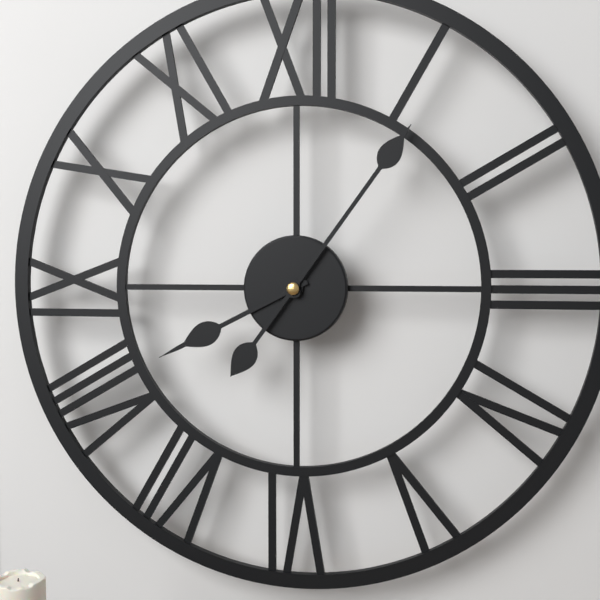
8.06
